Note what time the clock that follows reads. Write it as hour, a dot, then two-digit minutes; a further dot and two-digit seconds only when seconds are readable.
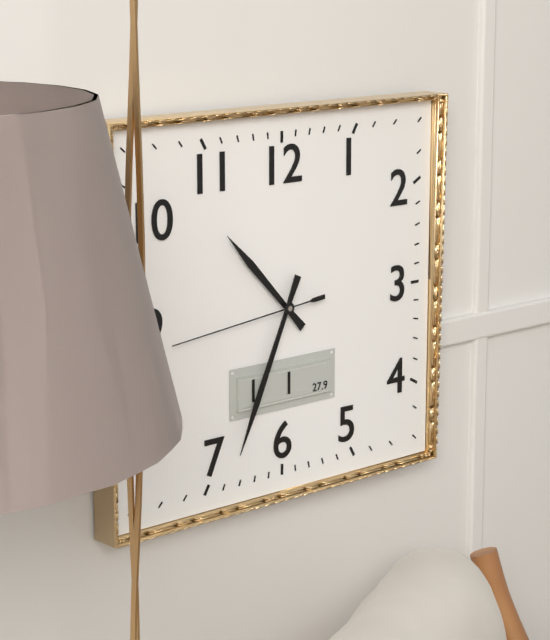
10.34.44
